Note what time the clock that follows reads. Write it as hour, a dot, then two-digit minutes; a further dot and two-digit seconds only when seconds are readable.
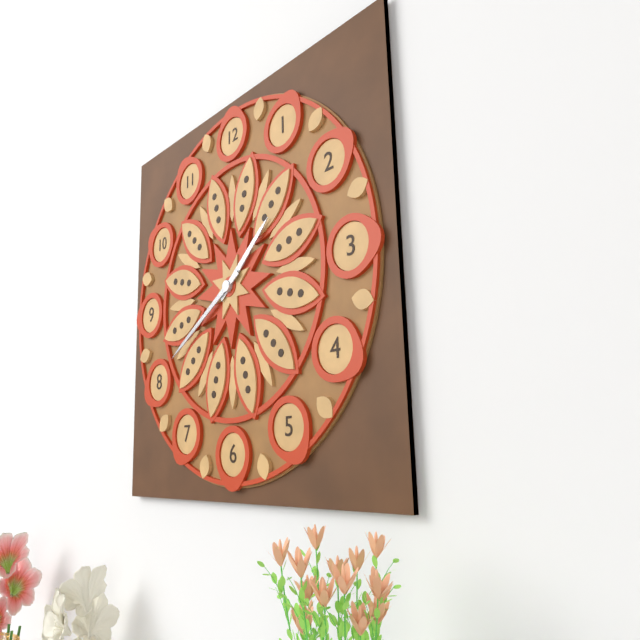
1.40
